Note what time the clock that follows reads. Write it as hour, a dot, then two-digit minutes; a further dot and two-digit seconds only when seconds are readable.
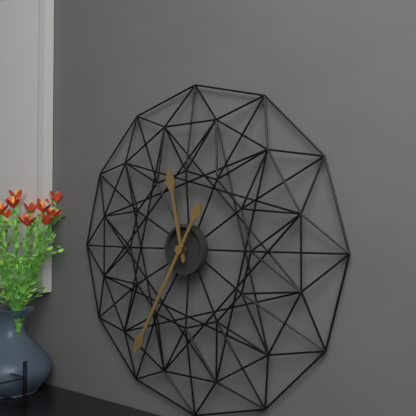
11.35
